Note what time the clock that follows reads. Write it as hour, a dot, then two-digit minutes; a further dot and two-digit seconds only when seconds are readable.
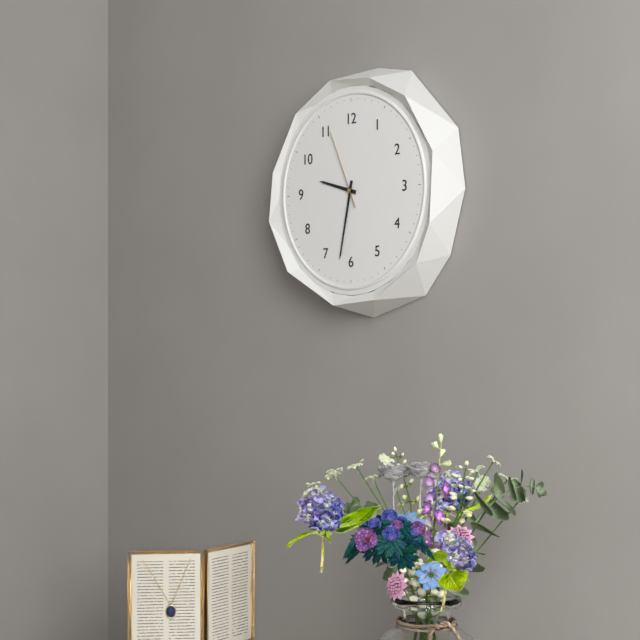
9.32.56
